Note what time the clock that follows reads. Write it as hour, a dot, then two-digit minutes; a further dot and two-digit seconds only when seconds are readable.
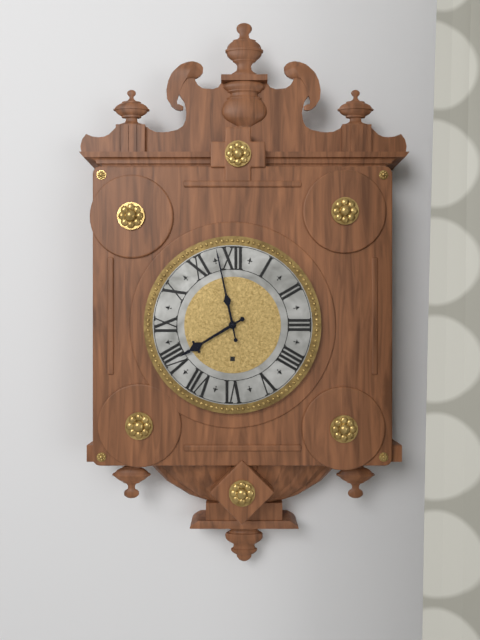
7.58
